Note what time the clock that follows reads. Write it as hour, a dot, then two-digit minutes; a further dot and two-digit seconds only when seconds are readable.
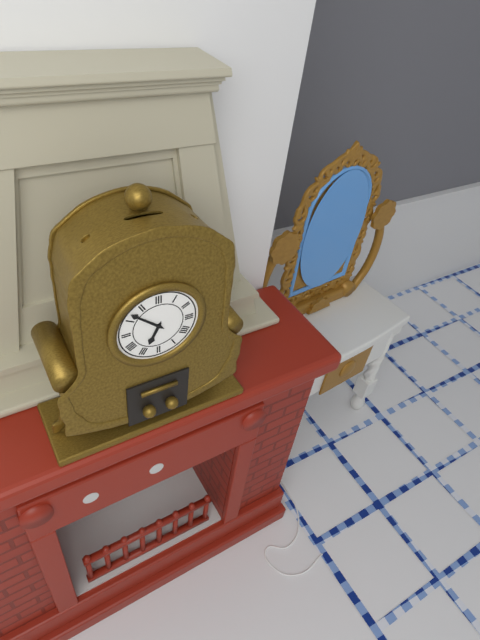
6.52
